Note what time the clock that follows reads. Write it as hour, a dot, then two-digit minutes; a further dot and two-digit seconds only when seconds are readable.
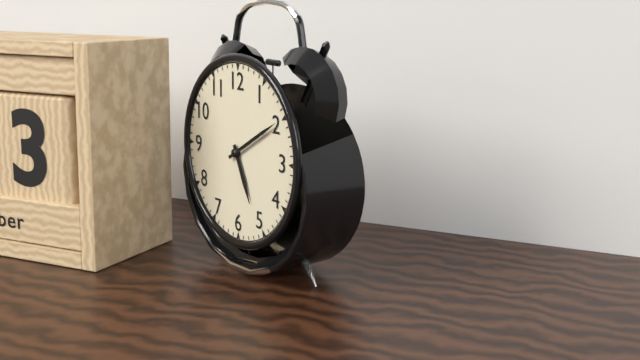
5.10
